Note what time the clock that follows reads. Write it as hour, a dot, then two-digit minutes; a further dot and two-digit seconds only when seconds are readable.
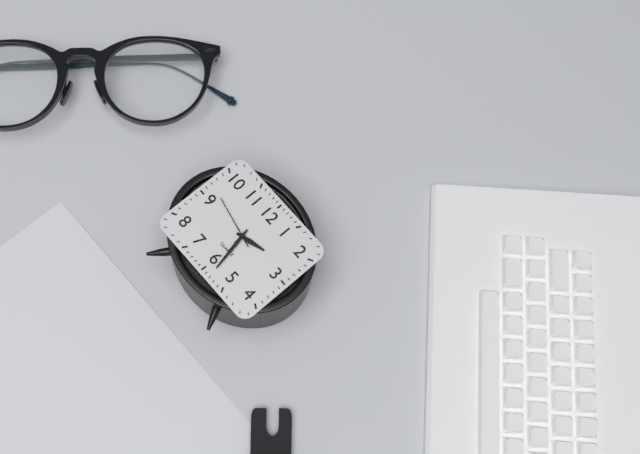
2.28.47
